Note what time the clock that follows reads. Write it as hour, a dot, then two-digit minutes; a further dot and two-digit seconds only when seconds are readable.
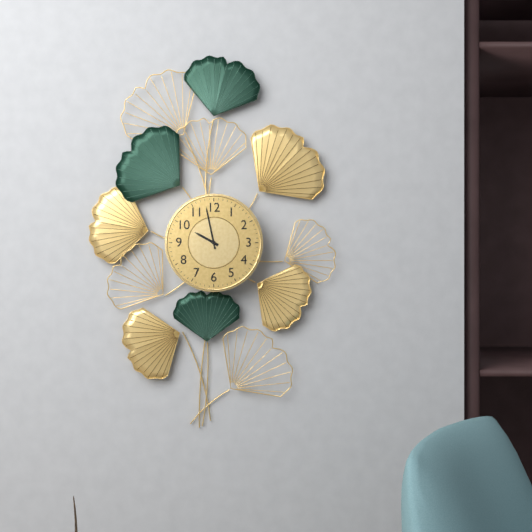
9.58
